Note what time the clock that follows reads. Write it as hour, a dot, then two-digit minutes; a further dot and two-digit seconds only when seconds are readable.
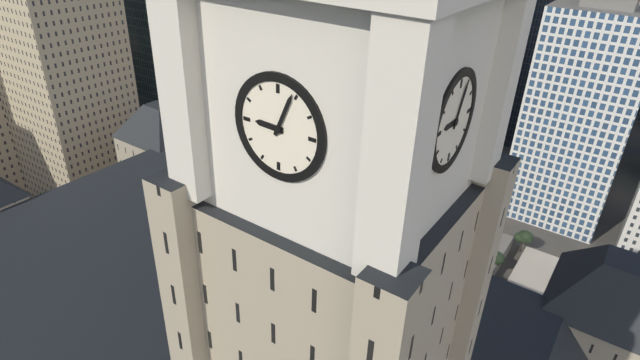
9.04
